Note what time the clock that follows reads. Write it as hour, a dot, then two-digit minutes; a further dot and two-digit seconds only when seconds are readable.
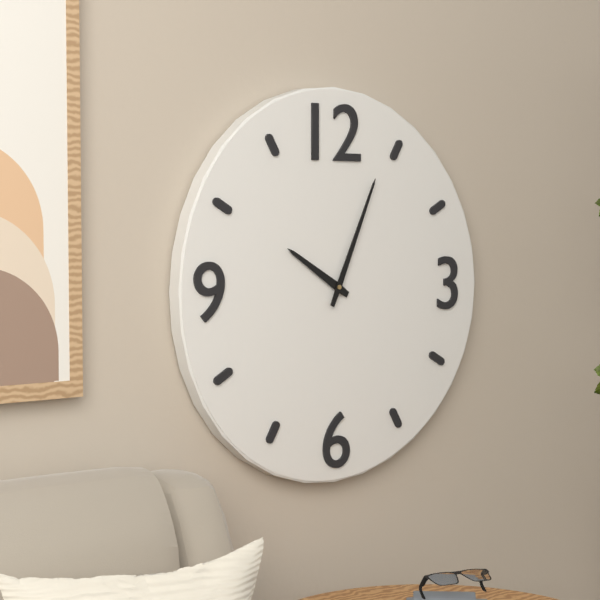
10.04
